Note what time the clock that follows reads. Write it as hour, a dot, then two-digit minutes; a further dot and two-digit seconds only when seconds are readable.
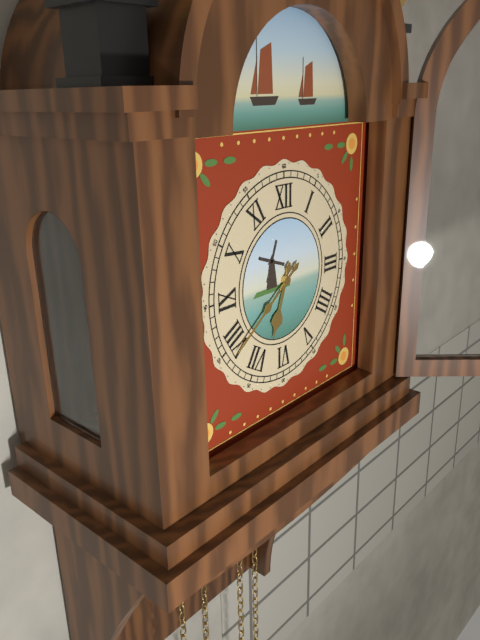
6.39
